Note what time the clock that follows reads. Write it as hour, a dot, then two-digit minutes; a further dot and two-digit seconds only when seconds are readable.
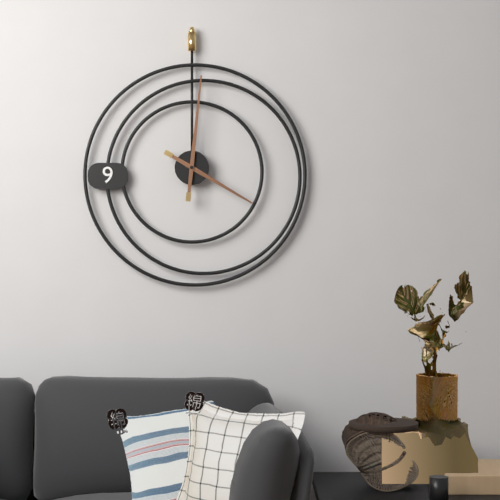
4.01
